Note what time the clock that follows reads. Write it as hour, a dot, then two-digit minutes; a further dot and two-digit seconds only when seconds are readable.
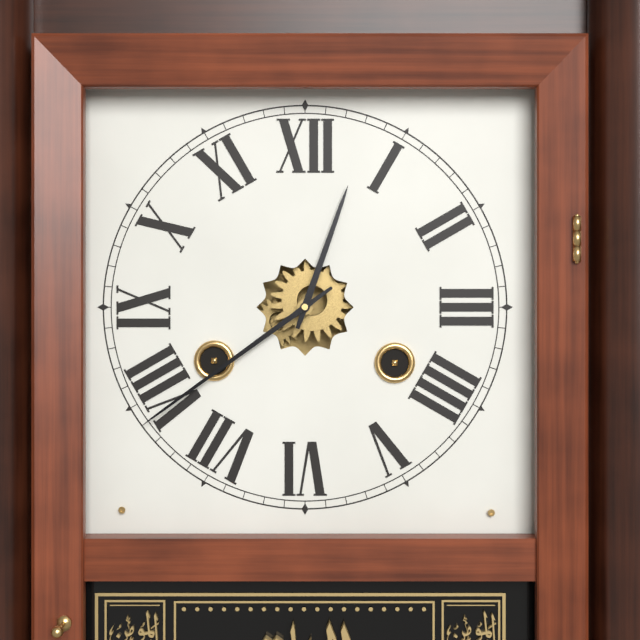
12.39
